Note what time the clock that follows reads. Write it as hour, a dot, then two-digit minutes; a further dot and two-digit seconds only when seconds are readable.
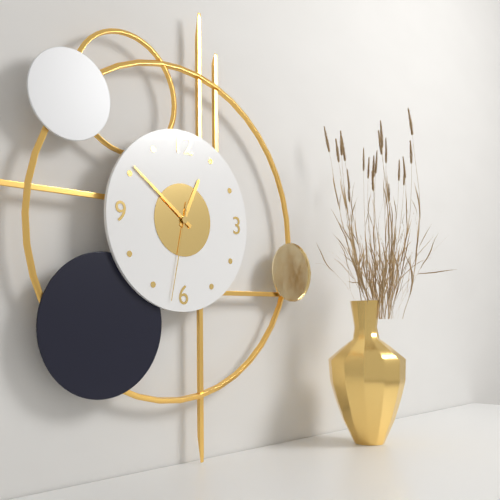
12.51.32
